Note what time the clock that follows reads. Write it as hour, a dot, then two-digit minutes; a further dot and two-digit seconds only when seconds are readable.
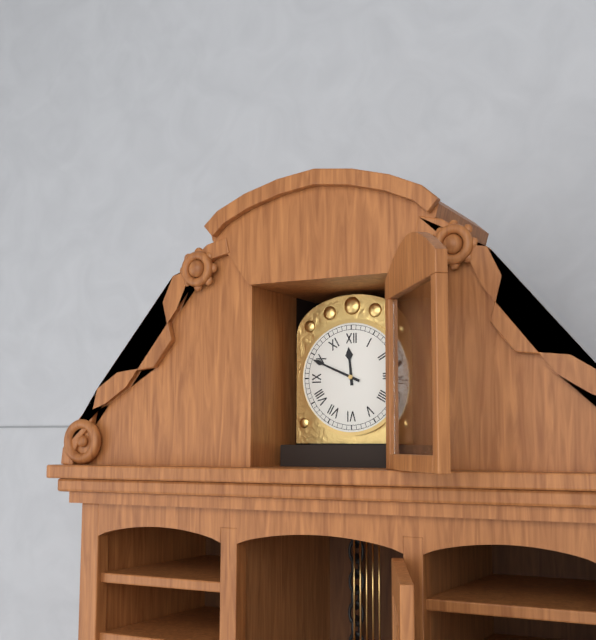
11.49
